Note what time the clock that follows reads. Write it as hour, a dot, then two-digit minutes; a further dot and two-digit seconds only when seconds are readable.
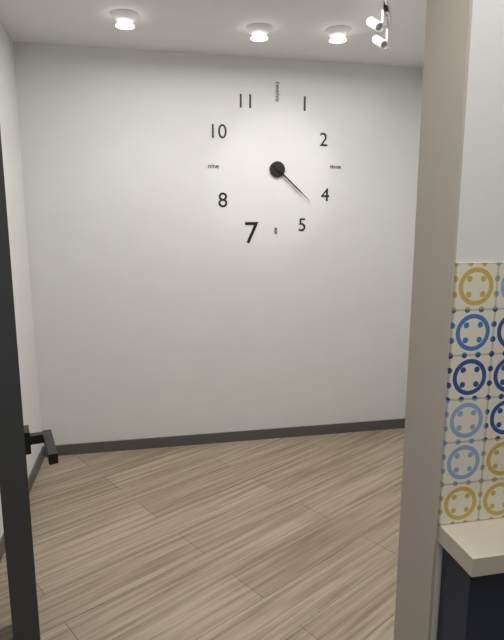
4.22
